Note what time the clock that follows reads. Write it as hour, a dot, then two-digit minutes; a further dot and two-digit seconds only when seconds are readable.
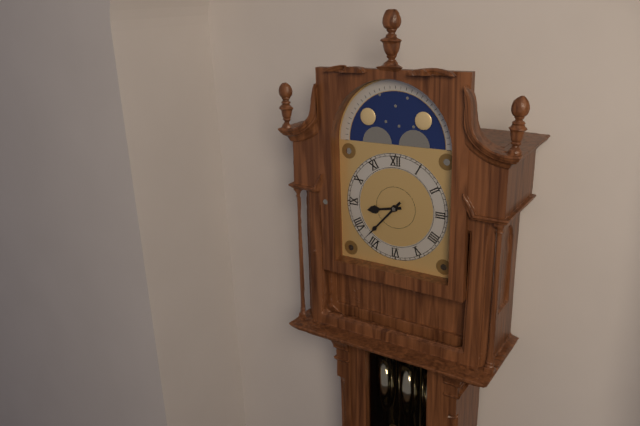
8.37
